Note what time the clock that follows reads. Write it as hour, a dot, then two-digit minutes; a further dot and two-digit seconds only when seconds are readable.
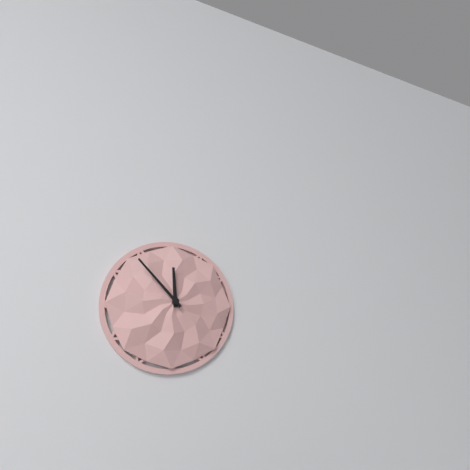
11.53
